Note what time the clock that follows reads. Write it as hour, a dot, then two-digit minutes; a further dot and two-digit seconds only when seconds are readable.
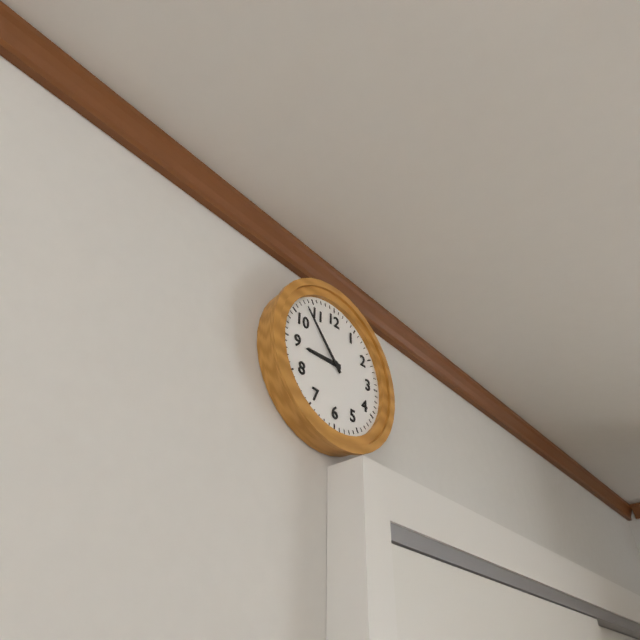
8.53
